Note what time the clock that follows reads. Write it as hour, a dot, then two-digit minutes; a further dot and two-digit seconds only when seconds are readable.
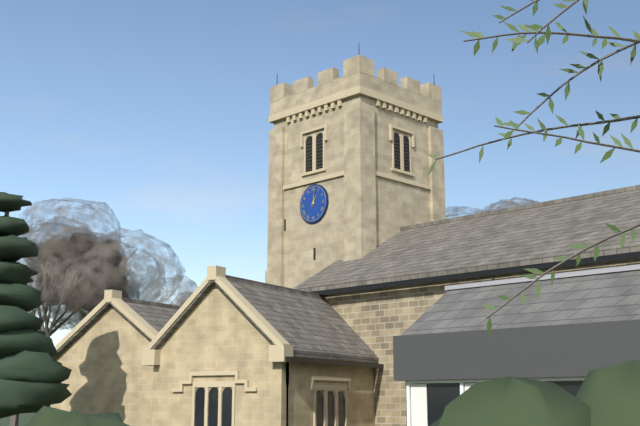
1.02
